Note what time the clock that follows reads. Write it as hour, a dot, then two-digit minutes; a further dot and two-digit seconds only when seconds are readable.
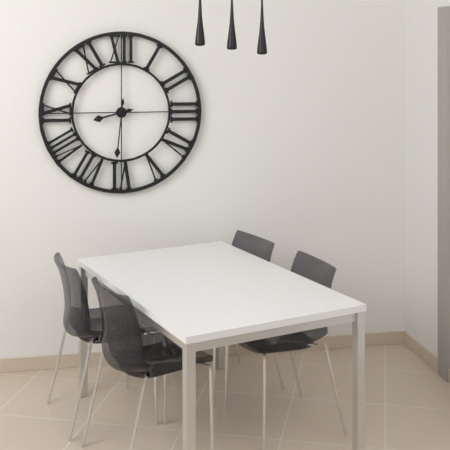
8.31
